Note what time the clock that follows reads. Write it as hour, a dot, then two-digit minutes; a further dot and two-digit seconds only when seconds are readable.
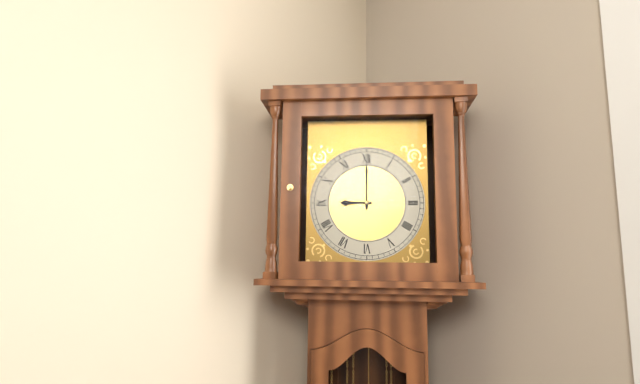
9.00
